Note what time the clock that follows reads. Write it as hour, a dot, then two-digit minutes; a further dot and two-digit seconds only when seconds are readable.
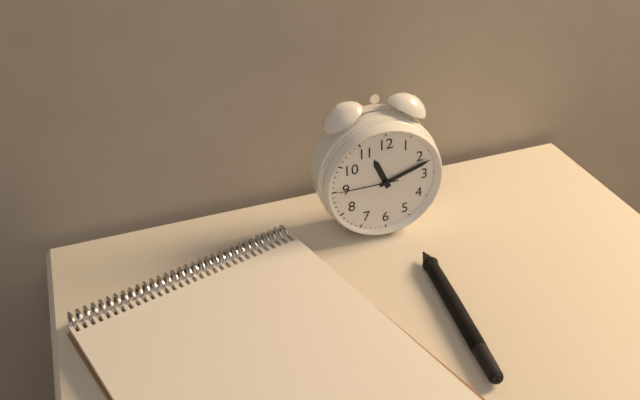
11.12.45
